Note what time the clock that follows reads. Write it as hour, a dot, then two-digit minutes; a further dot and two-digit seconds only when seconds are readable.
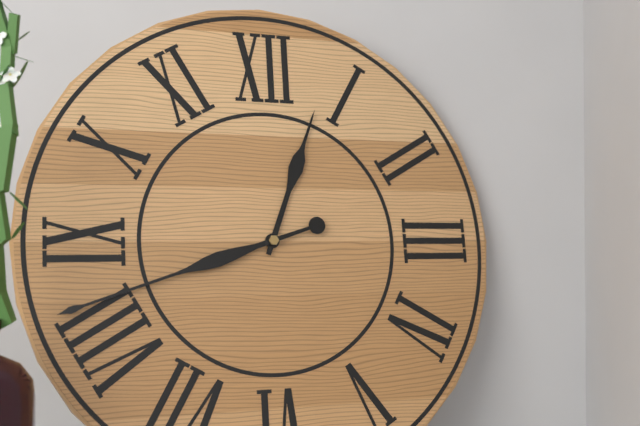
12.42
